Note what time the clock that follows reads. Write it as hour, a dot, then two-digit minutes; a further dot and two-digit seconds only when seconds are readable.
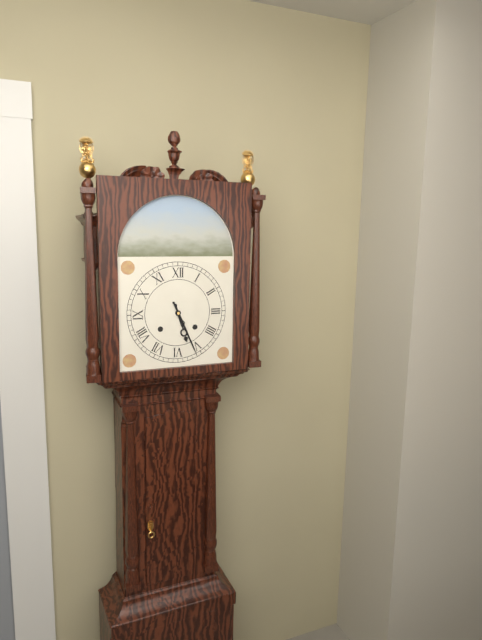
5.26
